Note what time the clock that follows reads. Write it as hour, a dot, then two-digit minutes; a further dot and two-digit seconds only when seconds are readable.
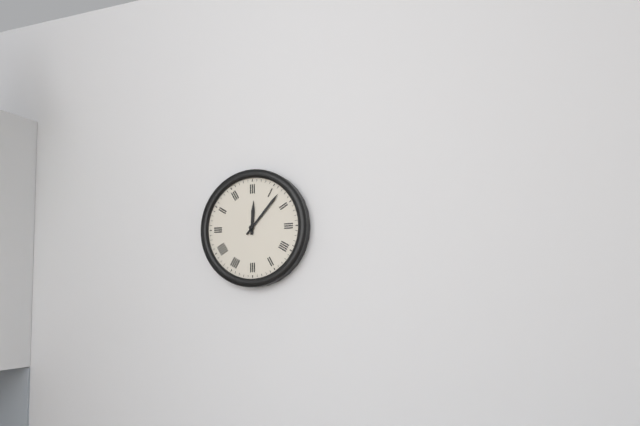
12.07
